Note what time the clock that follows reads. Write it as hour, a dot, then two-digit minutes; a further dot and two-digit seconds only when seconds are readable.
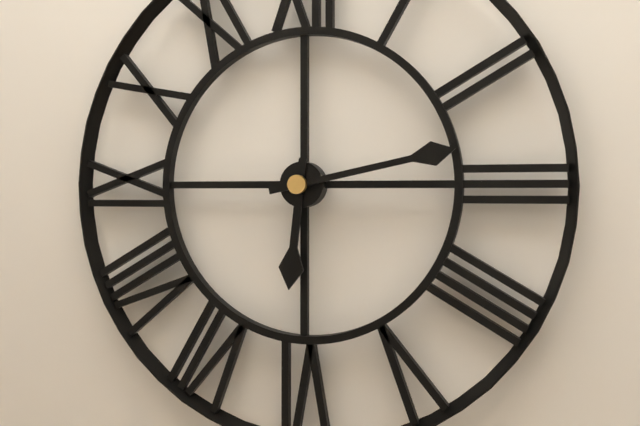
6.13
